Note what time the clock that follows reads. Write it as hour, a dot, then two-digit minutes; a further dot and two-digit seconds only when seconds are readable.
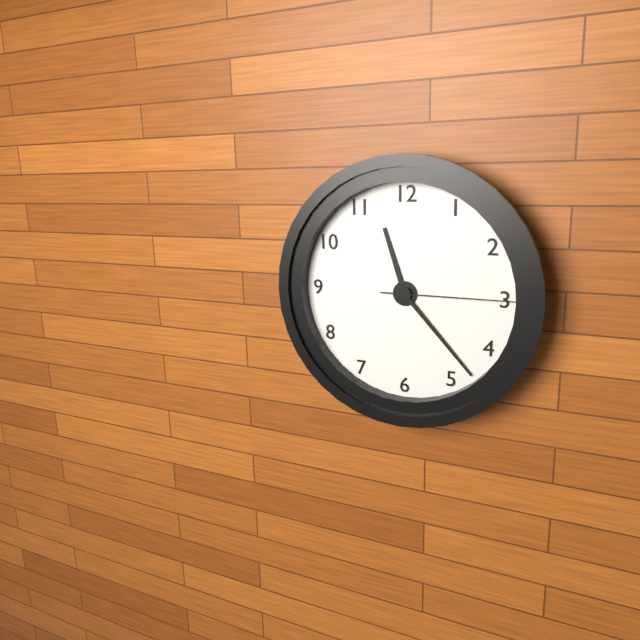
11.23.15
